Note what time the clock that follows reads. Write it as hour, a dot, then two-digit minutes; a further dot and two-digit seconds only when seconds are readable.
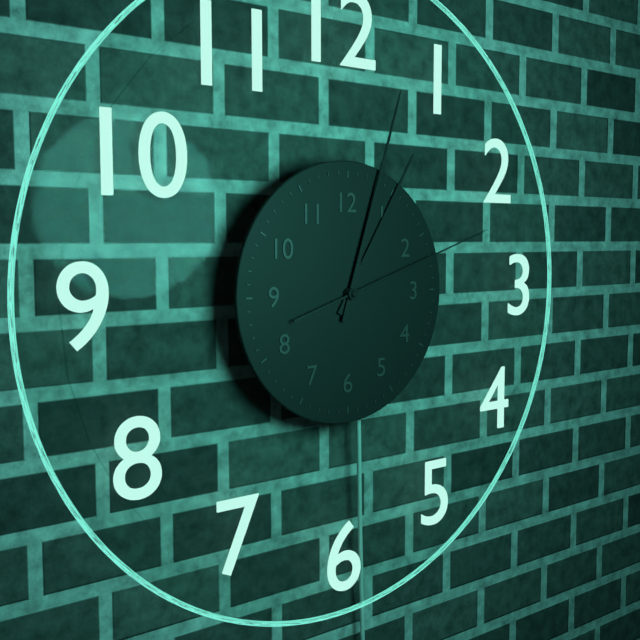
1.03.12
